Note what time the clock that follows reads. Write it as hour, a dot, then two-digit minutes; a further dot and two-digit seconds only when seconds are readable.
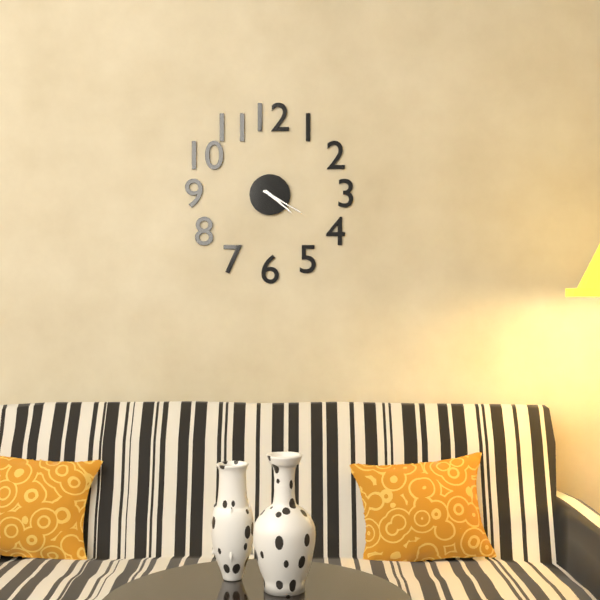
4.20
